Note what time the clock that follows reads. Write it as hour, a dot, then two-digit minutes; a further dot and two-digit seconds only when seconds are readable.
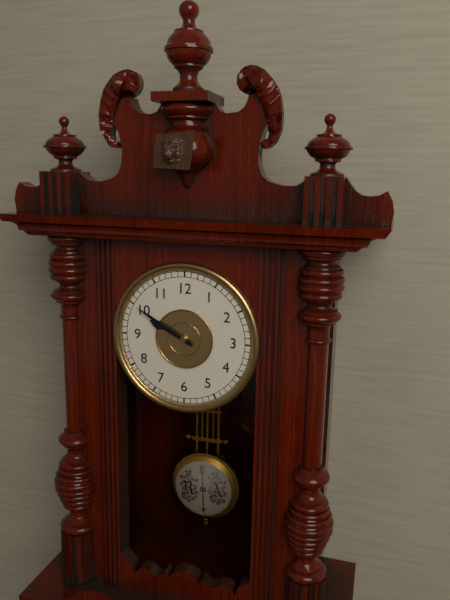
9.50
